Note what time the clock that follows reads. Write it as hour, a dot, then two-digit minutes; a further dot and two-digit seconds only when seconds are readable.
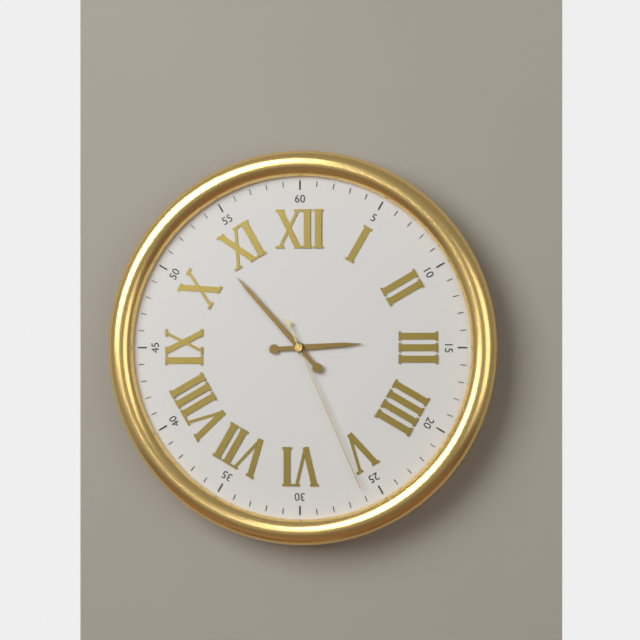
2.53.26
